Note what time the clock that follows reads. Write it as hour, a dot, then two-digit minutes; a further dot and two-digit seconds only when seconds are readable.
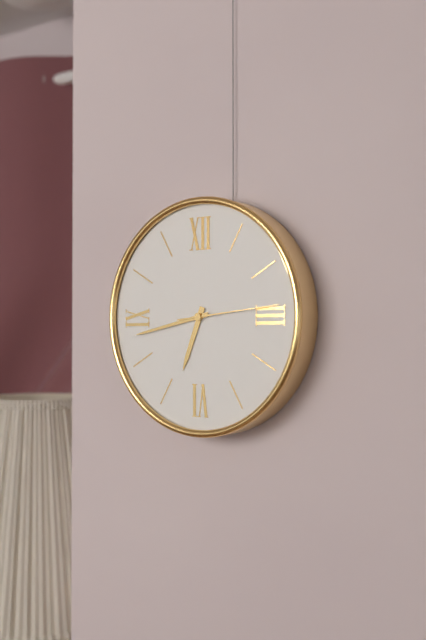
6.43.14
